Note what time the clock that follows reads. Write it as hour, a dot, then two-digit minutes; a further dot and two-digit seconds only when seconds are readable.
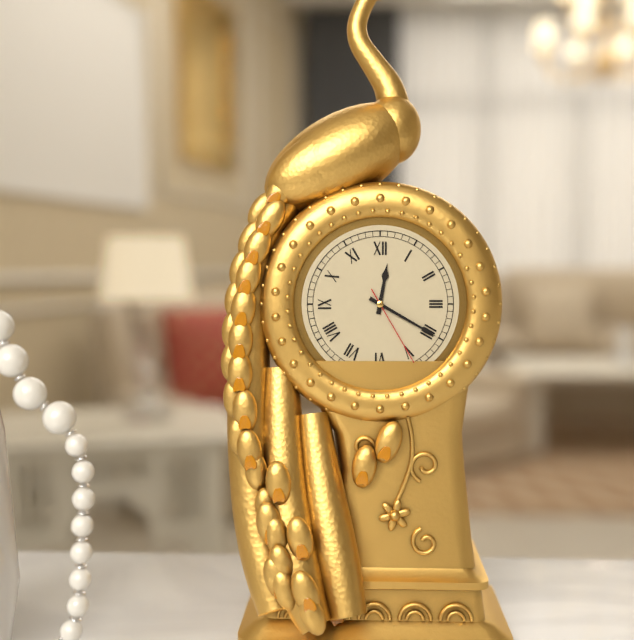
12.20.25
